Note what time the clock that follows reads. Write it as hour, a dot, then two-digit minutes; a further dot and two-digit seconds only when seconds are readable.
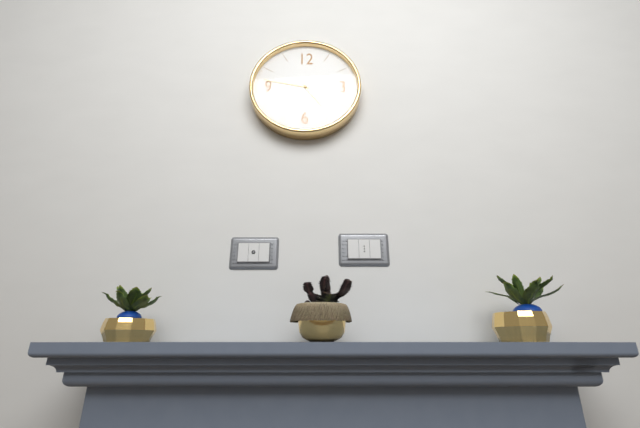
4.47
